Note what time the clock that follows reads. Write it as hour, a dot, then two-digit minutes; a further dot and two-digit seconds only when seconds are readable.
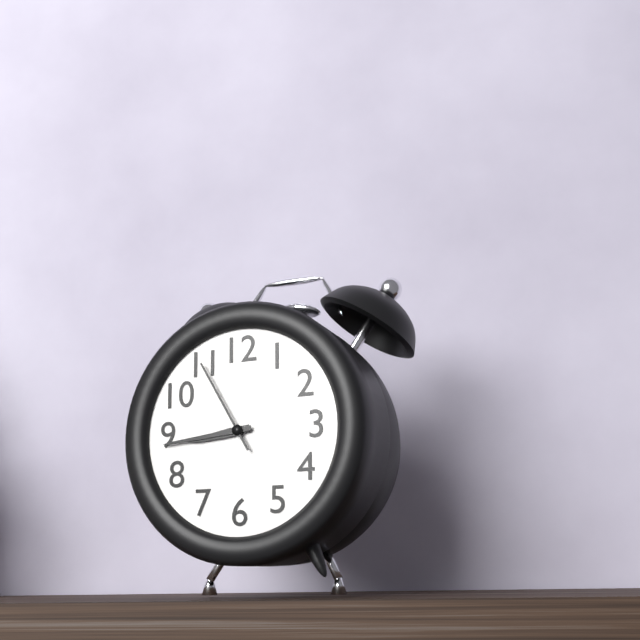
8.44.55
